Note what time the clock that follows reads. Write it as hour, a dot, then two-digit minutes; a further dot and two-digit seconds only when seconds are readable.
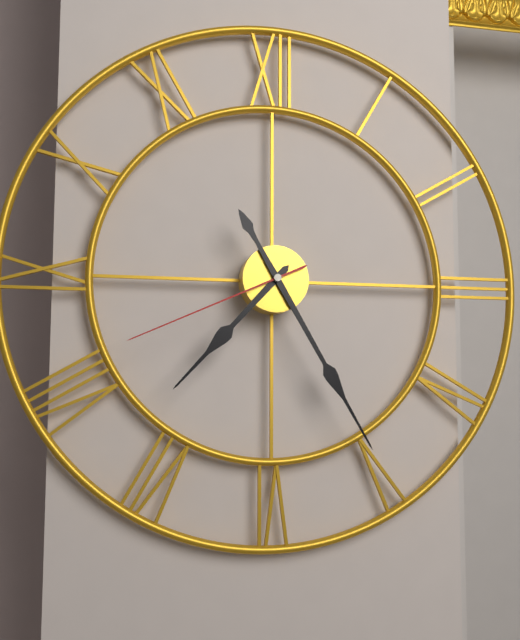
7.25.41
